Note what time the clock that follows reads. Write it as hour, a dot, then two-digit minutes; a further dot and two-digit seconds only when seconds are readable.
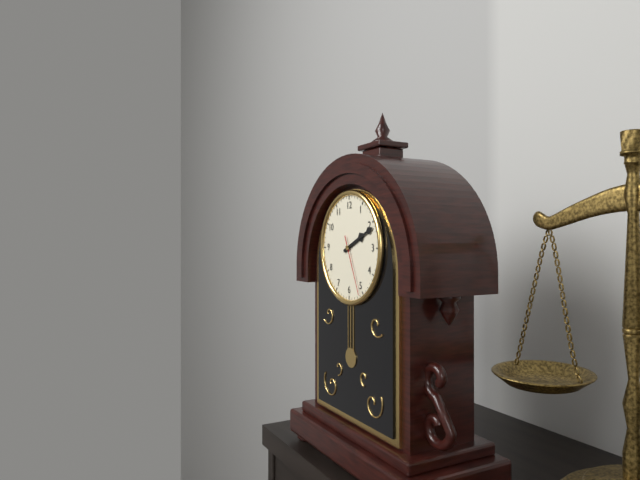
2.11.26
